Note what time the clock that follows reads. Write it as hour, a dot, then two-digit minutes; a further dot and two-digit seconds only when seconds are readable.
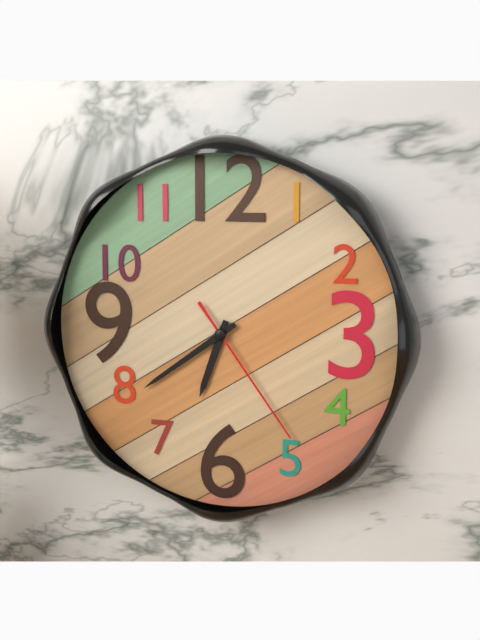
6.39.24
